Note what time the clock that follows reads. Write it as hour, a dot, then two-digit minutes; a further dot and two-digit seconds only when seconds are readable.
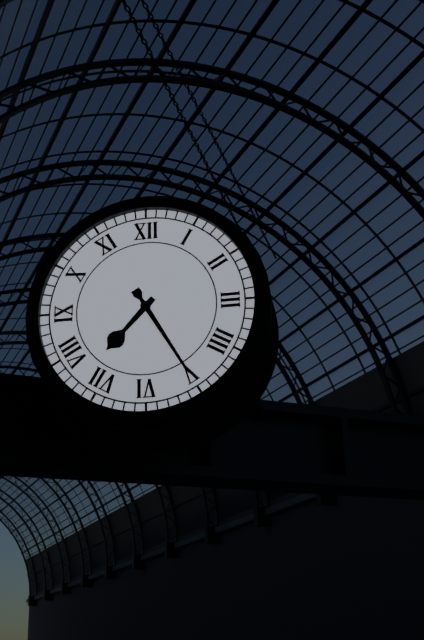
7.25
